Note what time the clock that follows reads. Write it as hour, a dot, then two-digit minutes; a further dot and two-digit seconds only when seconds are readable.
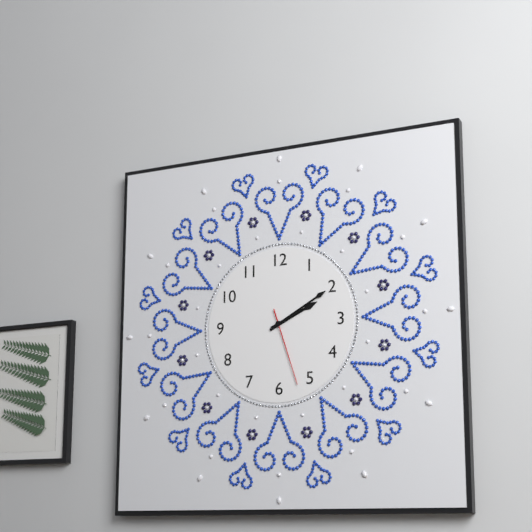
2.10.27
